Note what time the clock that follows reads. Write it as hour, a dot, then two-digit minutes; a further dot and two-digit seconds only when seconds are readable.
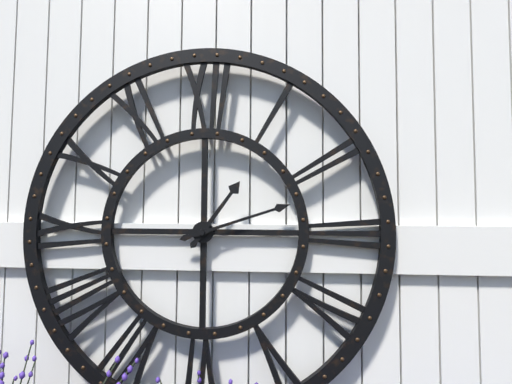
1.12
